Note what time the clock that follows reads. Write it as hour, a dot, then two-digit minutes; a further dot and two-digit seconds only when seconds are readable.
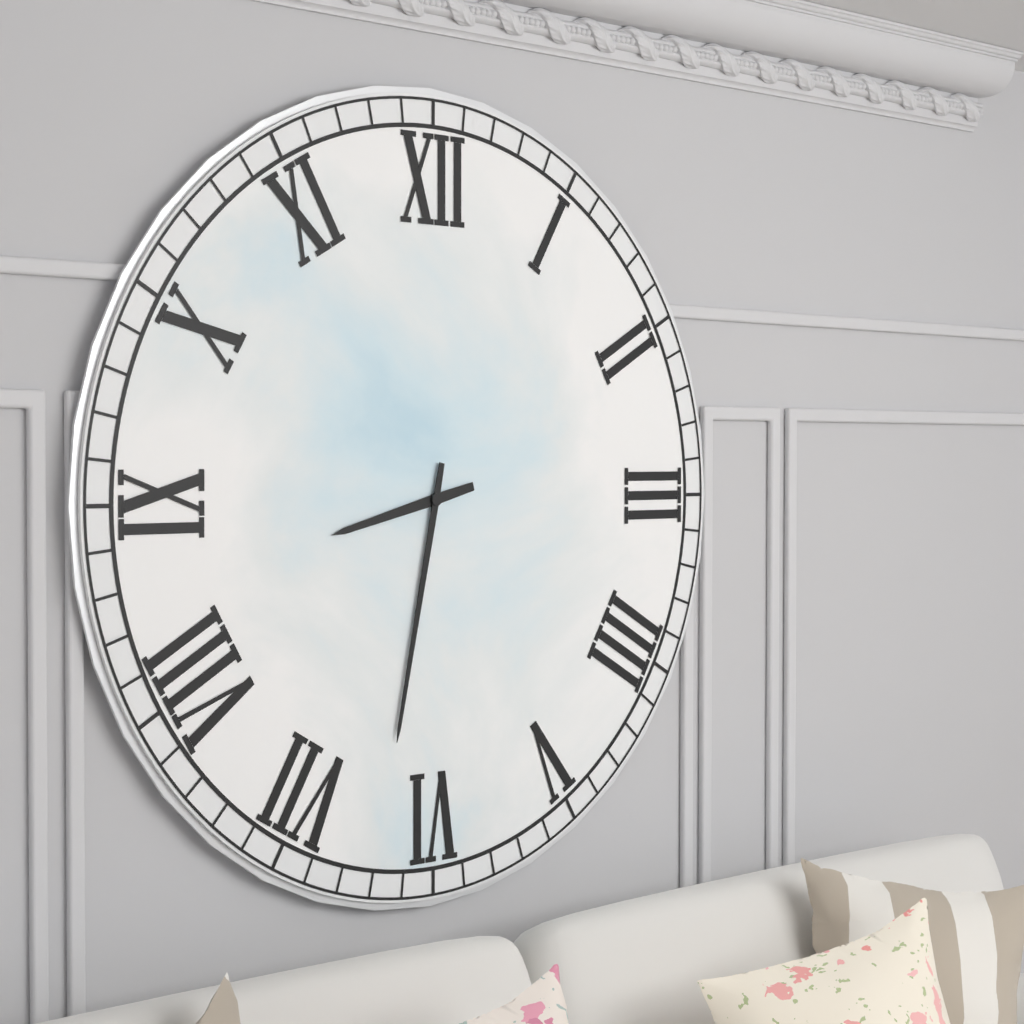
8.32
